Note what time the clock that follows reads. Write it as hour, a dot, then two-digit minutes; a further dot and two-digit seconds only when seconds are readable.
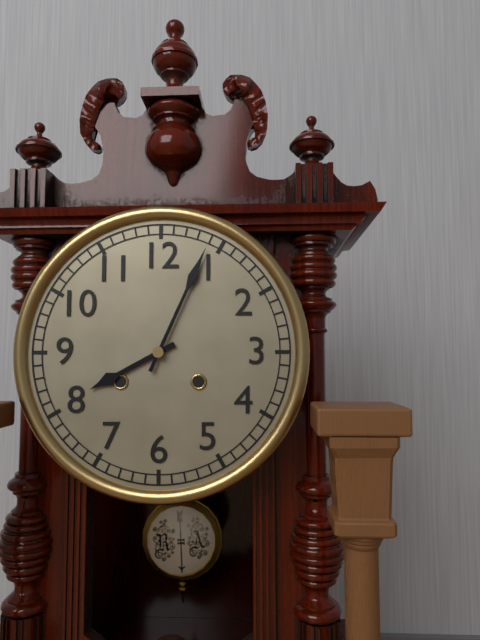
8.04
